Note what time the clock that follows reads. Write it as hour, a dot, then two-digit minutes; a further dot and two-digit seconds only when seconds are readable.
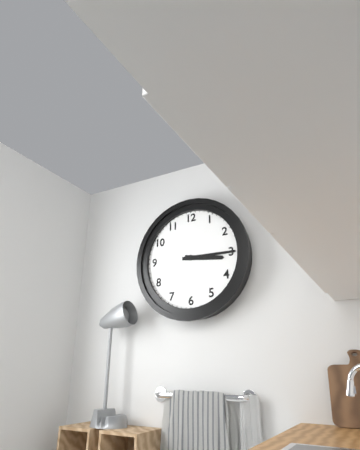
3.15
